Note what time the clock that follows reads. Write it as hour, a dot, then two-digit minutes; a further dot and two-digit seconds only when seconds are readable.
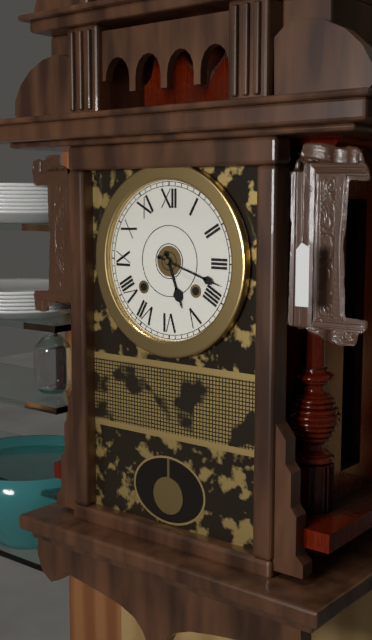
5.18
